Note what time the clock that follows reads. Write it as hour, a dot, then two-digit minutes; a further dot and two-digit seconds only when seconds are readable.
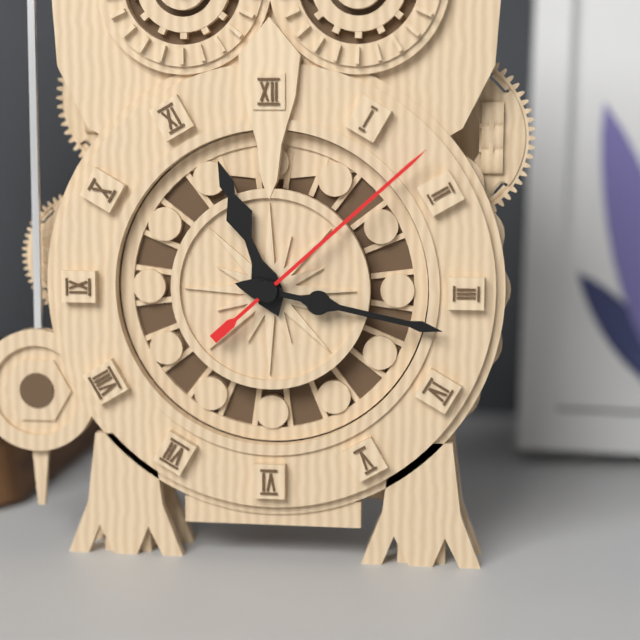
11.17.08
